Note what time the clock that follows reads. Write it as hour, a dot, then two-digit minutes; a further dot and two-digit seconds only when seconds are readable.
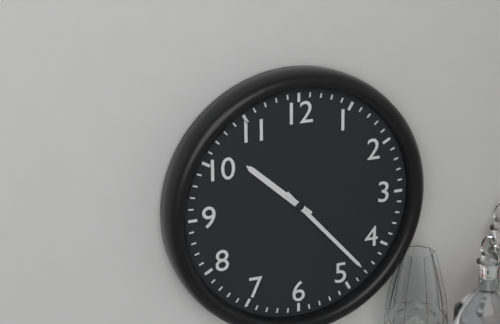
10.23
